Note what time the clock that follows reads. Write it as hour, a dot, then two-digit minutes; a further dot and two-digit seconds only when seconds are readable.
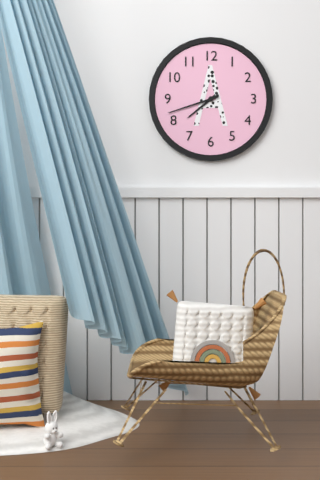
7.42
